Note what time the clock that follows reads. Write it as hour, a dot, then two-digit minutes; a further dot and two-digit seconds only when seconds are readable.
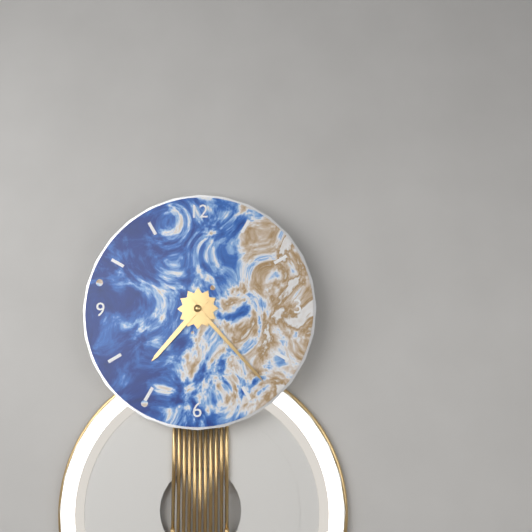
7.23
